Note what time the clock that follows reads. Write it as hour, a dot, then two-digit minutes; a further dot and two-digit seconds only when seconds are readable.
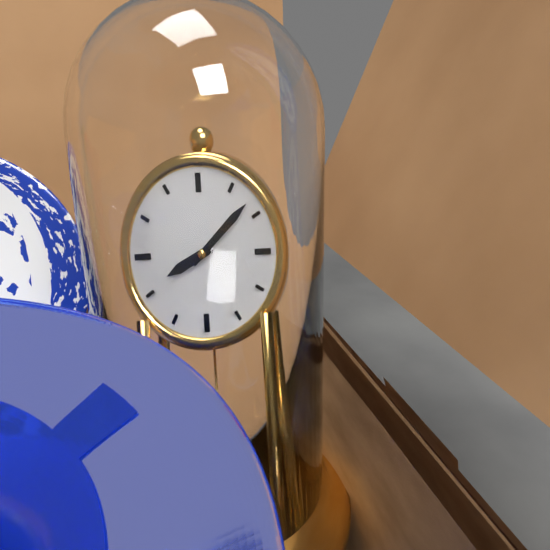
8.08
